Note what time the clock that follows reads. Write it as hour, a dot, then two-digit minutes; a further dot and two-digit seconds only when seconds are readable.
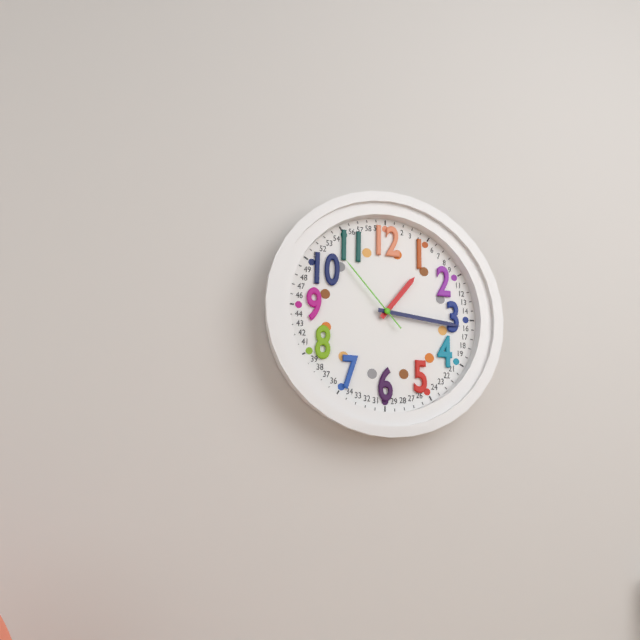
1.16.53
